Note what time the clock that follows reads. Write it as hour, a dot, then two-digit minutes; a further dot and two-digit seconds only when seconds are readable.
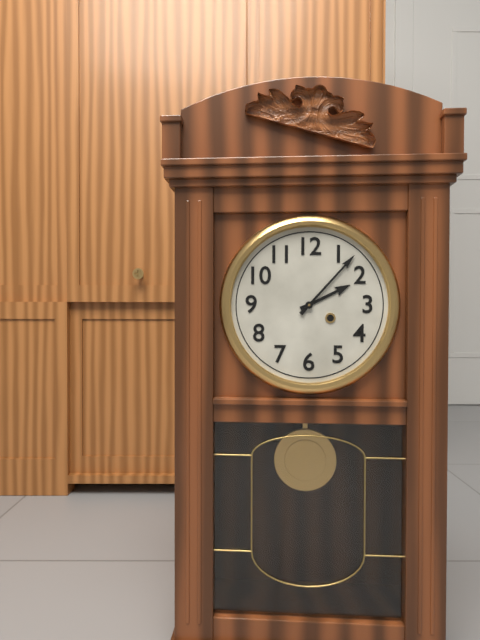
2.07
